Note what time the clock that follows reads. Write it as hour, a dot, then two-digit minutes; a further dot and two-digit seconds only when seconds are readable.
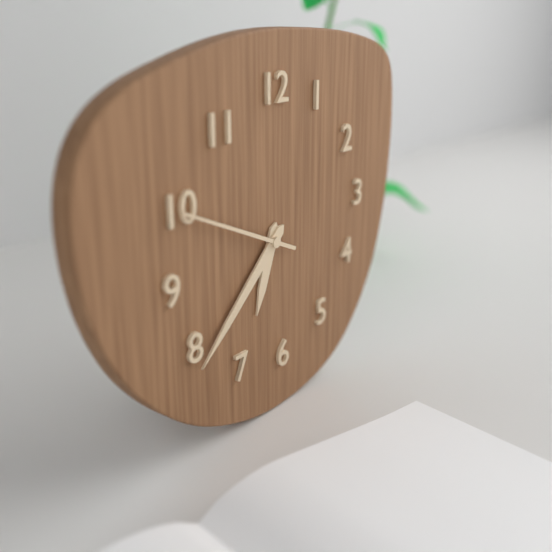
6.38.49
